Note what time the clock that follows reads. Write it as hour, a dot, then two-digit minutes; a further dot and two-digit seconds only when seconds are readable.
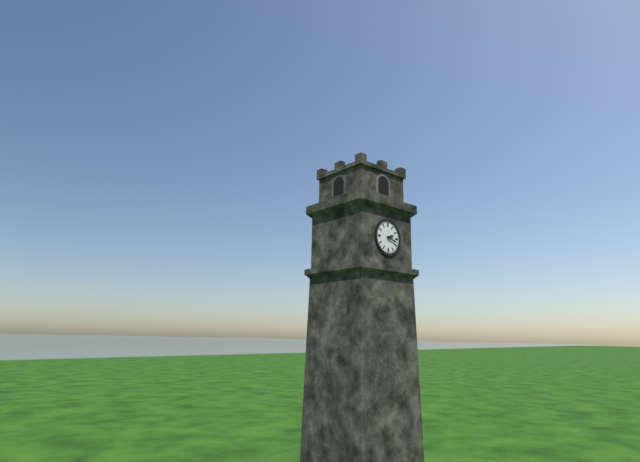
2.18
